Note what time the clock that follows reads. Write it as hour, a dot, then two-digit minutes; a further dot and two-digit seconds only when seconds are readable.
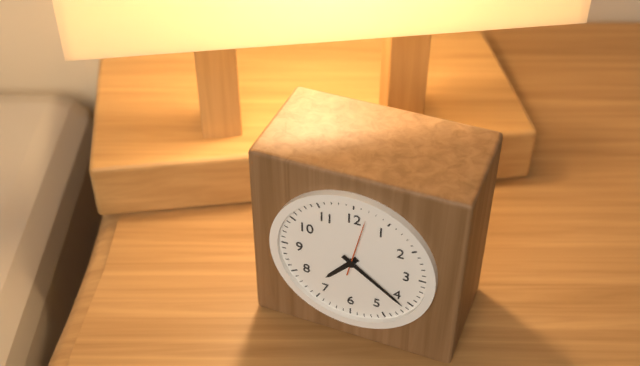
7.21.02
